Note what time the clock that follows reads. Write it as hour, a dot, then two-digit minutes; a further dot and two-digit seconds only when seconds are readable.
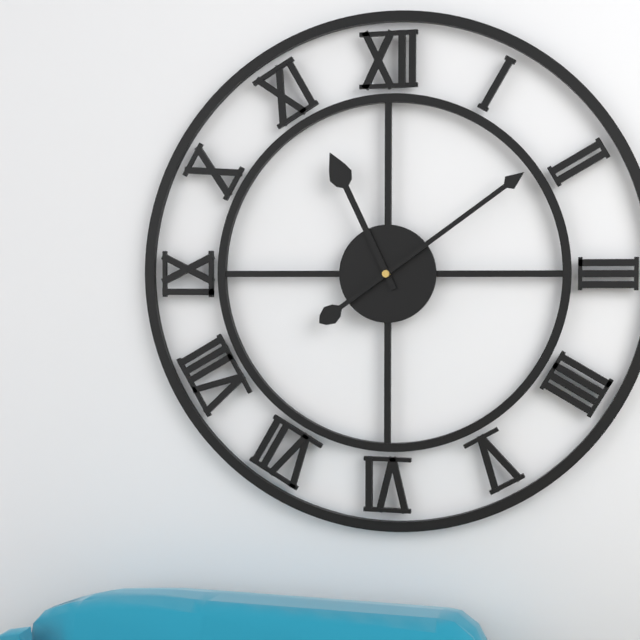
11.09
